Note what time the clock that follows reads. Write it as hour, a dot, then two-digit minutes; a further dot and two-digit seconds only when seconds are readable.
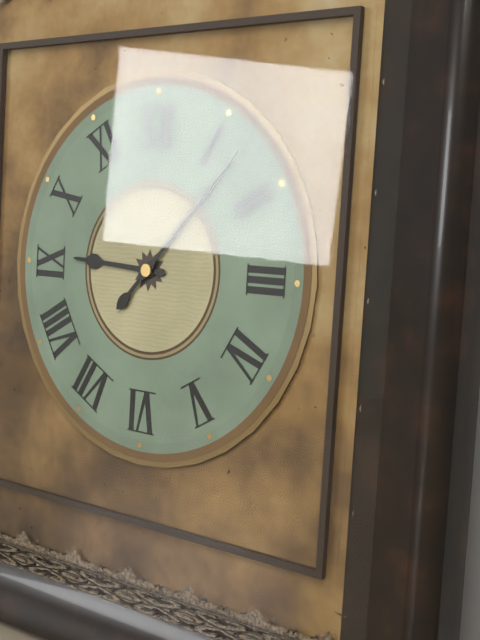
9.07
